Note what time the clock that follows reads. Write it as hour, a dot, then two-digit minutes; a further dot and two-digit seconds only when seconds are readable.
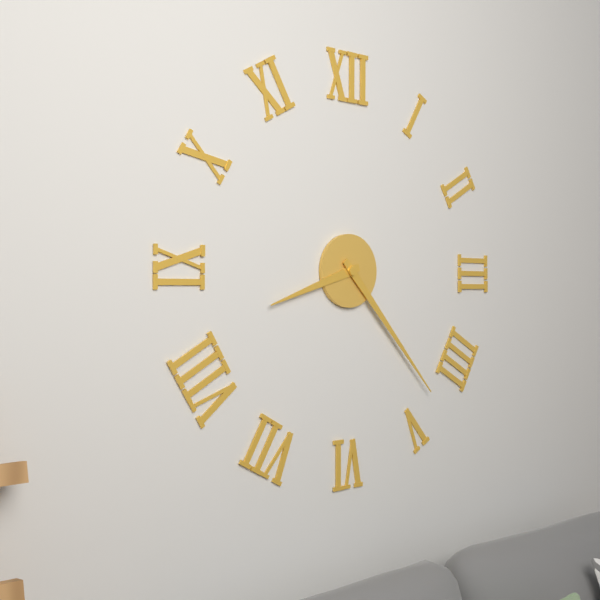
8.23
